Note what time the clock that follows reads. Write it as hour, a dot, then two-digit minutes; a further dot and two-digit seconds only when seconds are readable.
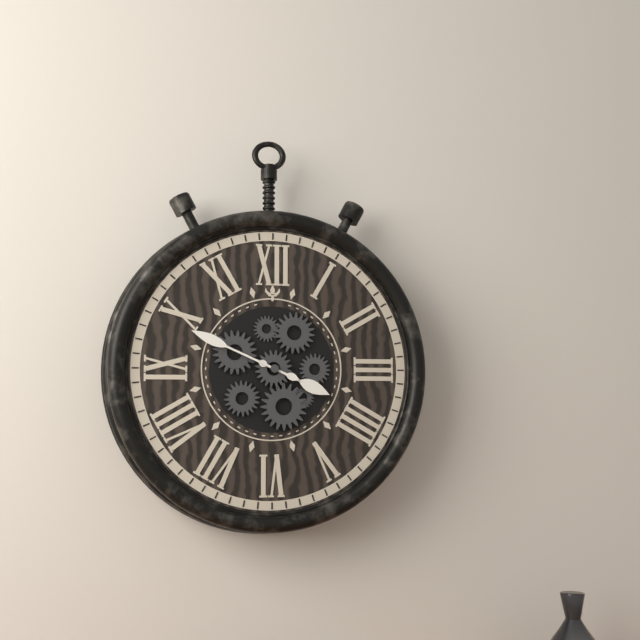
3.49
